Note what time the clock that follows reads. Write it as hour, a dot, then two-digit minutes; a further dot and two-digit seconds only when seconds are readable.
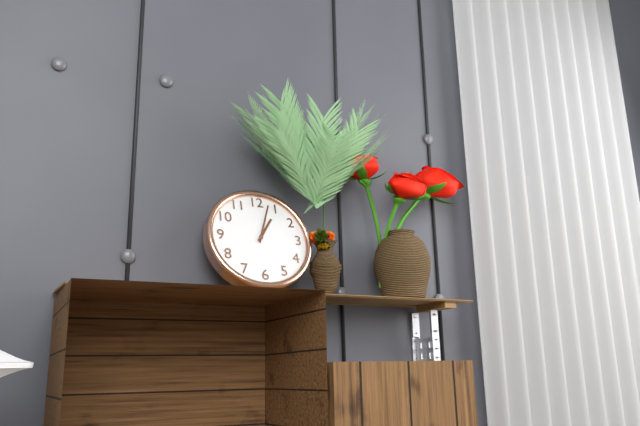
1.03
